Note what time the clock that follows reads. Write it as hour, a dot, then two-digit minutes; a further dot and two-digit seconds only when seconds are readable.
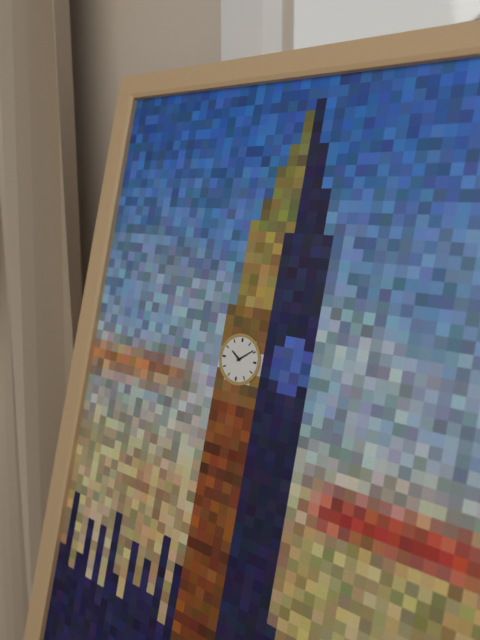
10.09
